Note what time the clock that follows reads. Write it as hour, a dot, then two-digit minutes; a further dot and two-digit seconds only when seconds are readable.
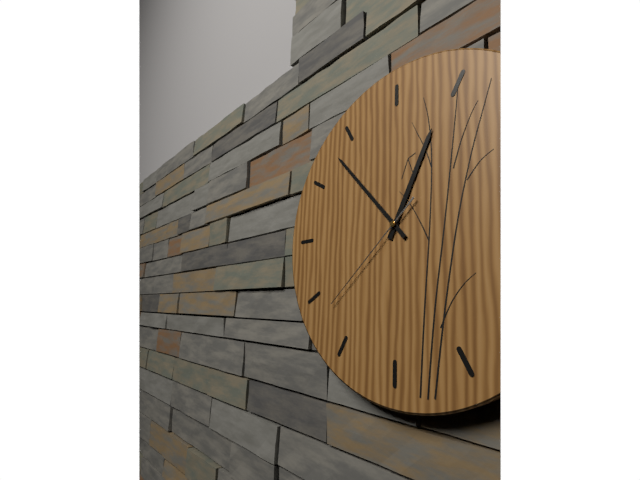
12.53.38
